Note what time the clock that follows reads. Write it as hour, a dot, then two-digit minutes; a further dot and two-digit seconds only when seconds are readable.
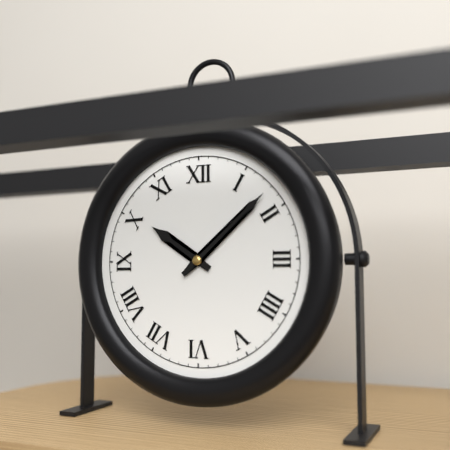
10.08
